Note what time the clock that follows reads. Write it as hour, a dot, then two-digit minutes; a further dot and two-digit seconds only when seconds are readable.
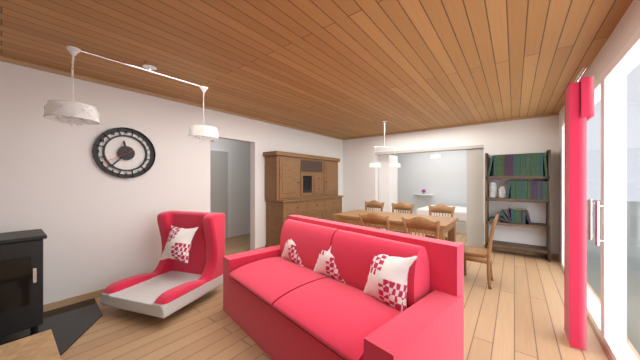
11.37
